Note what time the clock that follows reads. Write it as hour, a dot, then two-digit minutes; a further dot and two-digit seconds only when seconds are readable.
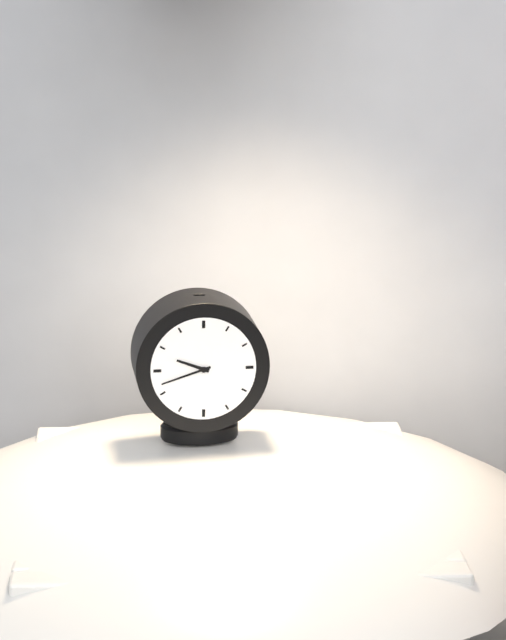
9.42
